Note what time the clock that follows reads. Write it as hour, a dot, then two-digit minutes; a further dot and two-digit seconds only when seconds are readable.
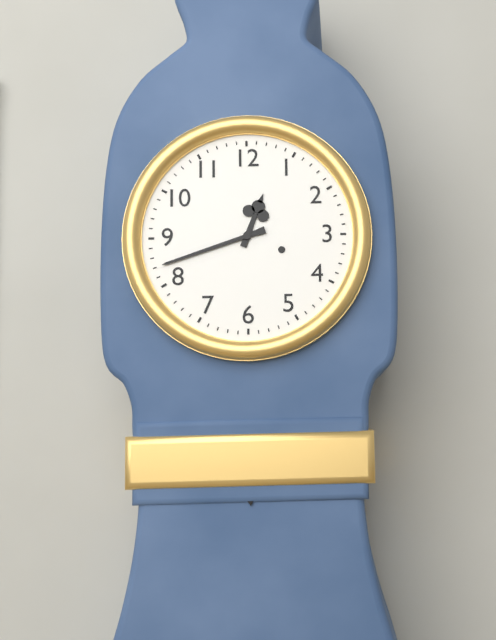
12.42
